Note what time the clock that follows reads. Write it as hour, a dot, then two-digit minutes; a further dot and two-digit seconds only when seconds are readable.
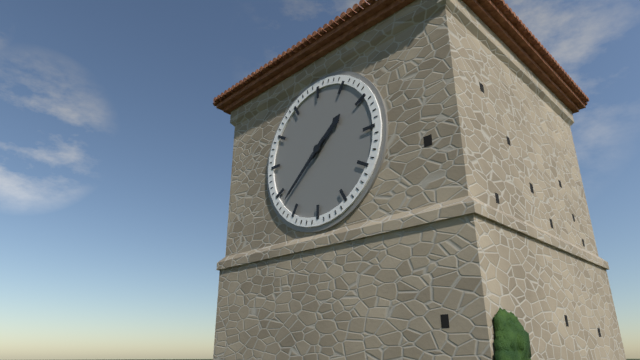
1.38
